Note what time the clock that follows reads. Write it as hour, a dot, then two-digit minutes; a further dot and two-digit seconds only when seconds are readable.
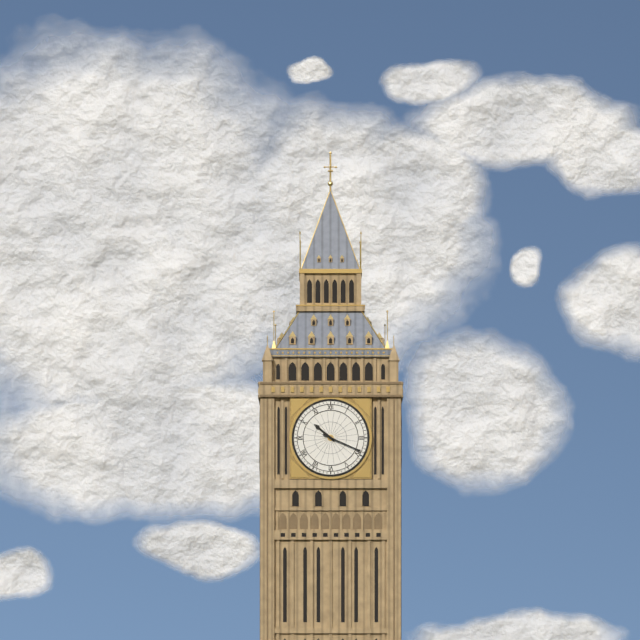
10.19
